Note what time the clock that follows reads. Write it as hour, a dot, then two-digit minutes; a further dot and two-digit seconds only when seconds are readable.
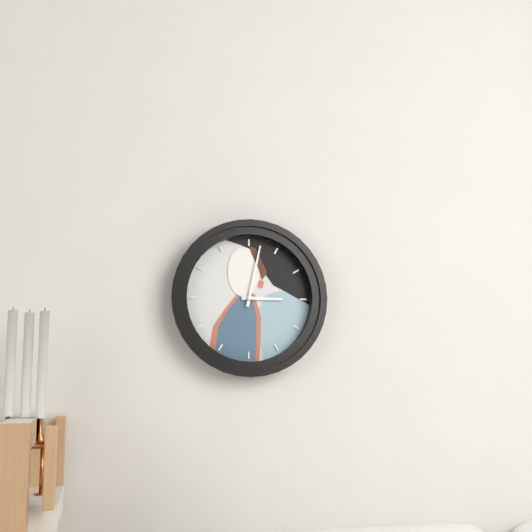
3.02
